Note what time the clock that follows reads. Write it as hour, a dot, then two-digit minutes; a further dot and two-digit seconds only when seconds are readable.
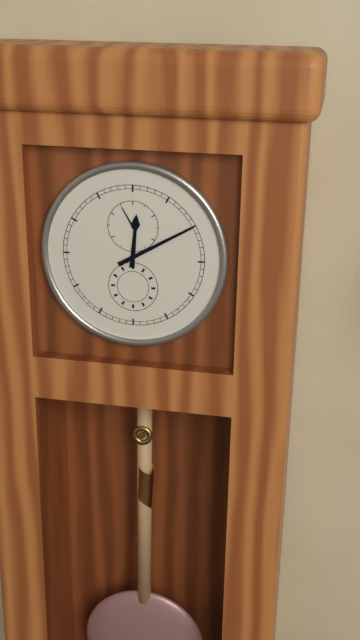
12.10
